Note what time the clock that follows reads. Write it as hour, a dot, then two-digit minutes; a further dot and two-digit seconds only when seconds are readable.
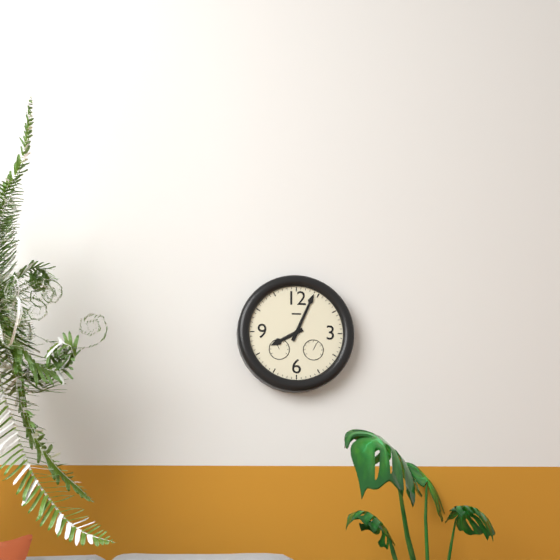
8.04
